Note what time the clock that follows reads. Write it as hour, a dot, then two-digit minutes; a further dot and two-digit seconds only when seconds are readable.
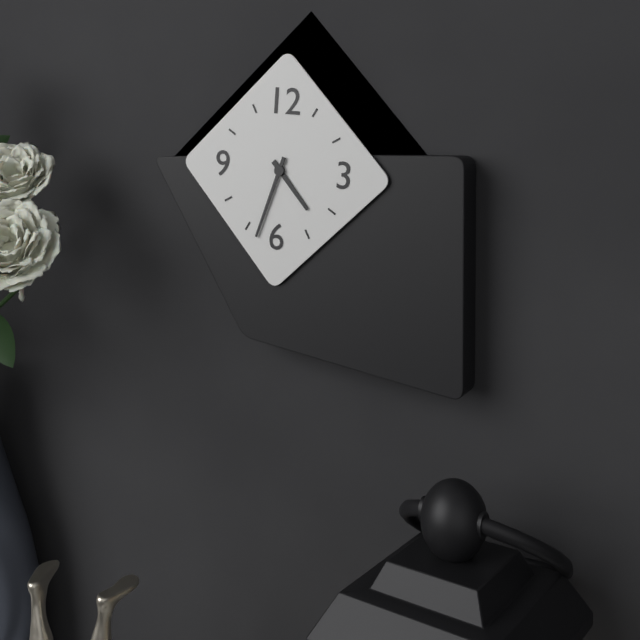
4.33
